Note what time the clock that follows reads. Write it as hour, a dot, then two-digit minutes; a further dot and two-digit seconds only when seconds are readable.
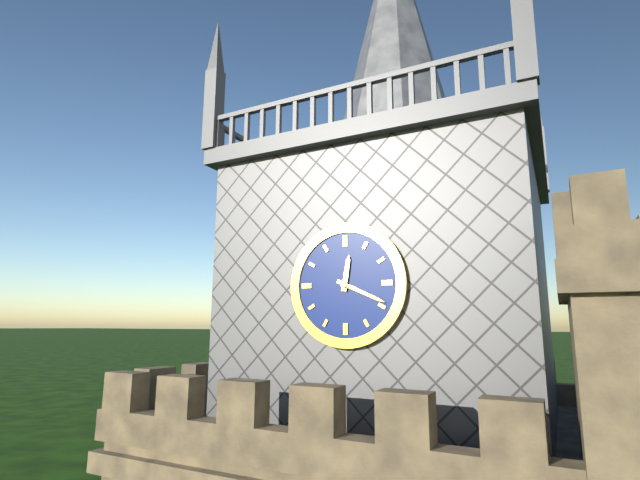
12.19
